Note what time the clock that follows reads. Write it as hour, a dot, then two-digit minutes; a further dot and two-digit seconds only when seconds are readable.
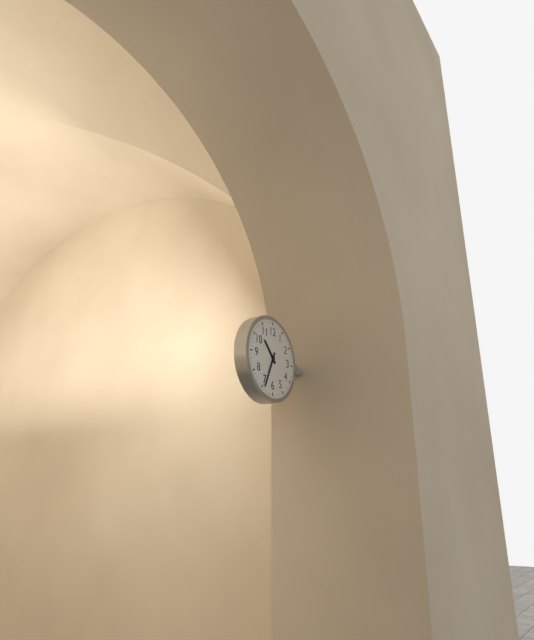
10.34
